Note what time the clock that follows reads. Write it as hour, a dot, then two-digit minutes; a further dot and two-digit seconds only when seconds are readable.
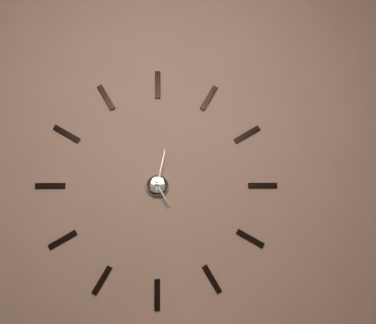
5.02
